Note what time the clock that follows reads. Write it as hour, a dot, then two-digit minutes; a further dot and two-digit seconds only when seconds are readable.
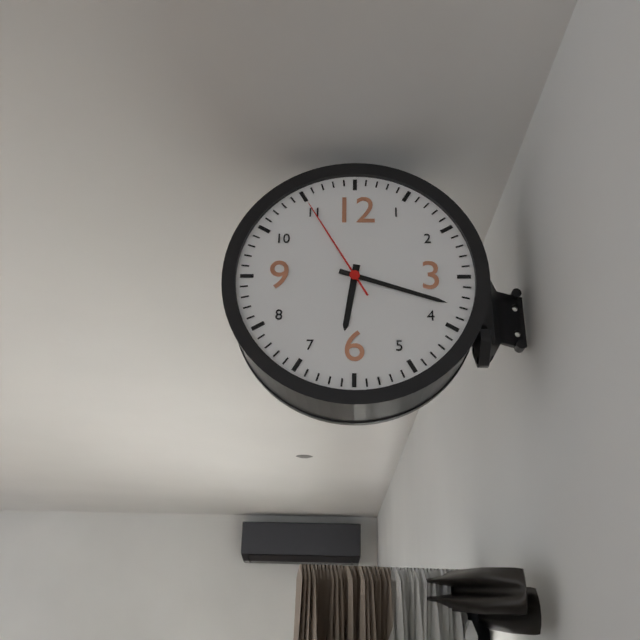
6.18.55
